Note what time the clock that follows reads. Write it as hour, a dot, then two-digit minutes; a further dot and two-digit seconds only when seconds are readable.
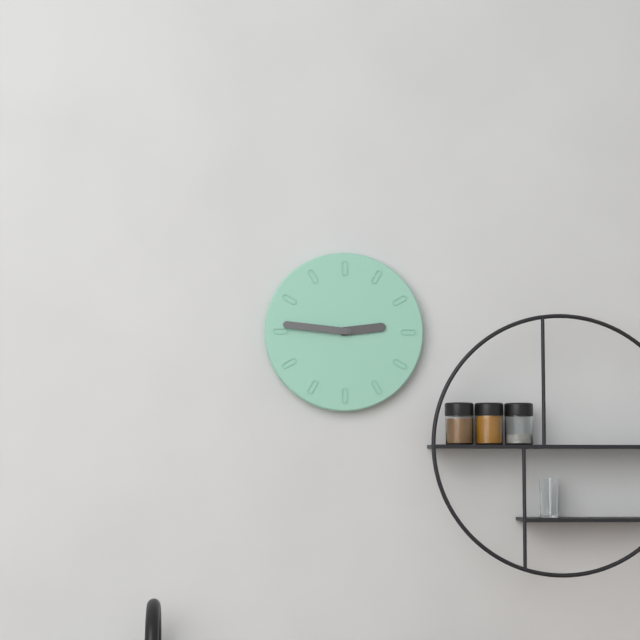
2.46
